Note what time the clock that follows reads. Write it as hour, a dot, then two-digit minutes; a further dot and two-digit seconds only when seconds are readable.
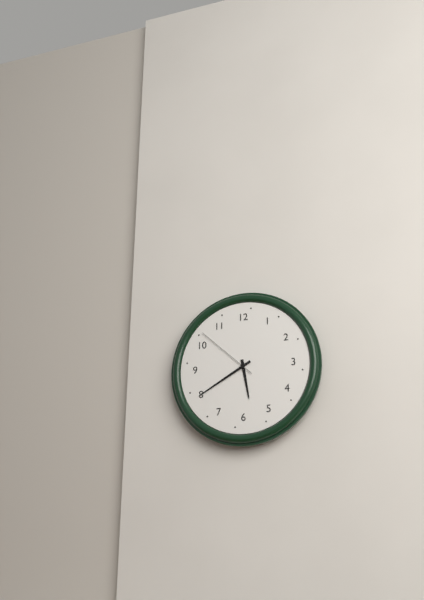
5.40.52
